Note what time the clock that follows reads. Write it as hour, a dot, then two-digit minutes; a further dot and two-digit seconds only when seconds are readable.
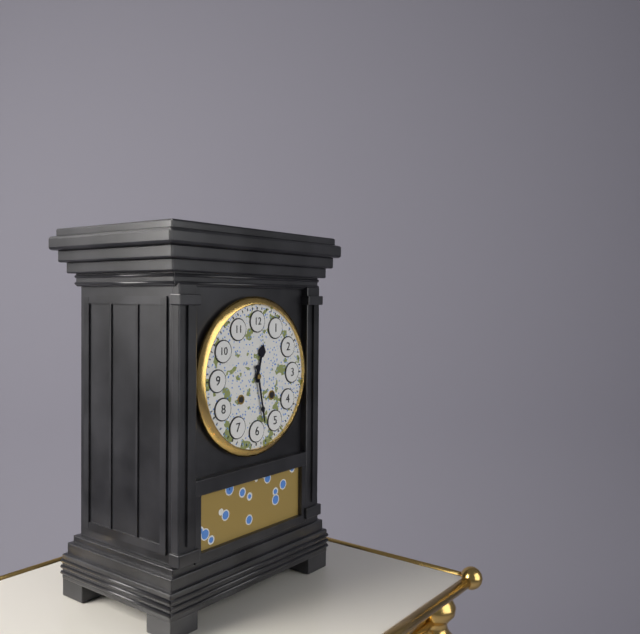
12.28
